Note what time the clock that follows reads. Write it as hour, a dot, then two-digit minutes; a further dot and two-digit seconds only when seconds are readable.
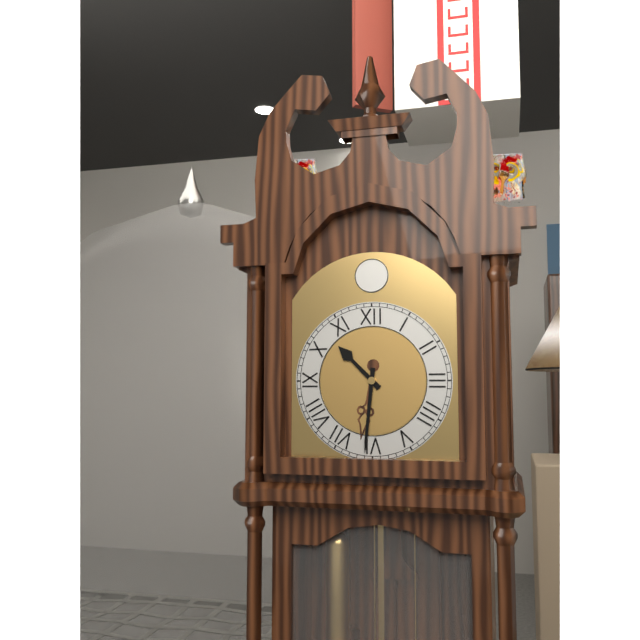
10.31
